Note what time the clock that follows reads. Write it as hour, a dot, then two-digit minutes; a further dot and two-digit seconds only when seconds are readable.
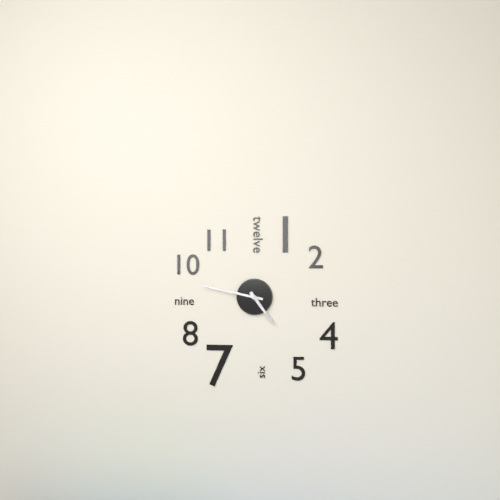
4.47
